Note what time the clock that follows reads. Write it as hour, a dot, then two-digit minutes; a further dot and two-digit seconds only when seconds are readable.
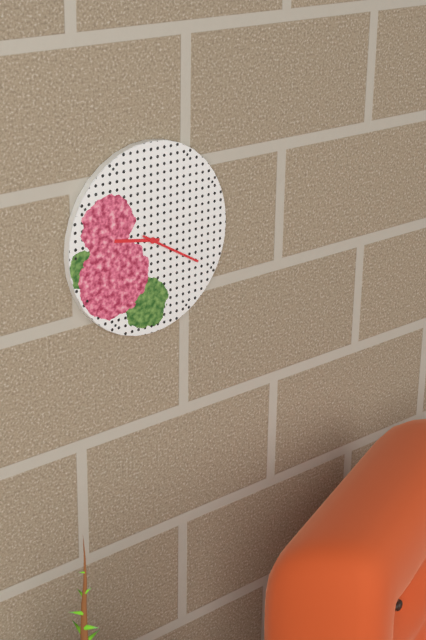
9.20
